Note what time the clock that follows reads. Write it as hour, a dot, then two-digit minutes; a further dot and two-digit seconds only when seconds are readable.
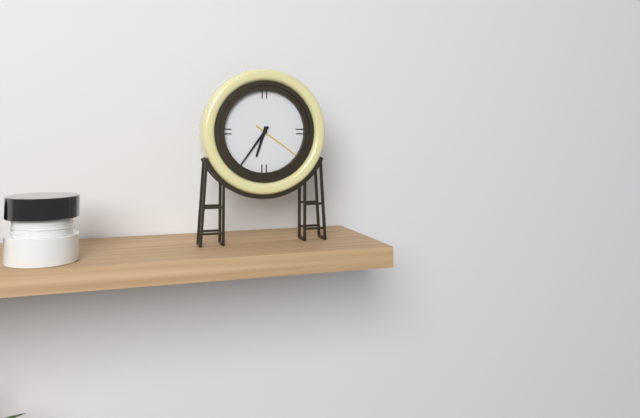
6.36.21
